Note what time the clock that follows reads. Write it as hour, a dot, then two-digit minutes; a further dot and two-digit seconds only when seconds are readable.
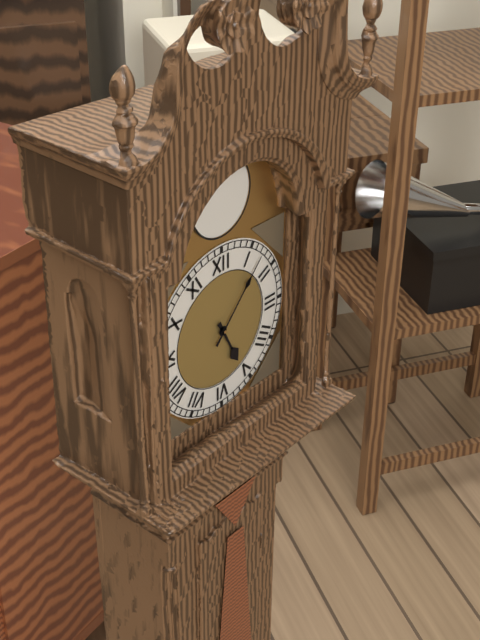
5.07
